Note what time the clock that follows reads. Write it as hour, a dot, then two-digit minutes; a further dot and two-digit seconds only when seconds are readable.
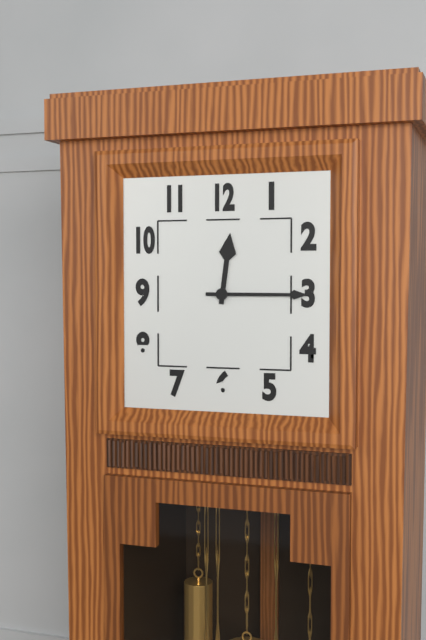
12.15
